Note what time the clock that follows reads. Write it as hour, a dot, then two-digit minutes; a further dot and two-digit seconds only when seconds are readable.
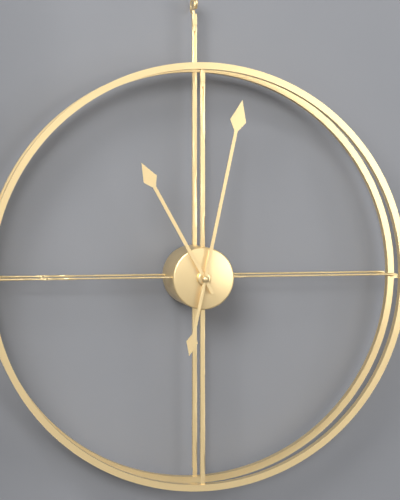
11.02
